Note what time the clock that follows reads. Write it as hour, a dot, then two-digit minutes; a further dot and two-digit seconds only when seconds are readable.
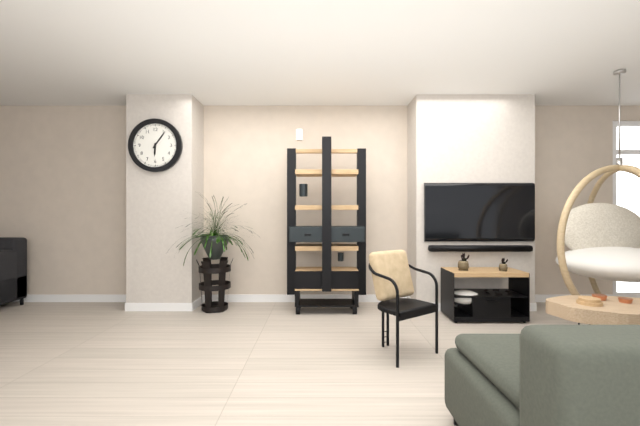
6.06
